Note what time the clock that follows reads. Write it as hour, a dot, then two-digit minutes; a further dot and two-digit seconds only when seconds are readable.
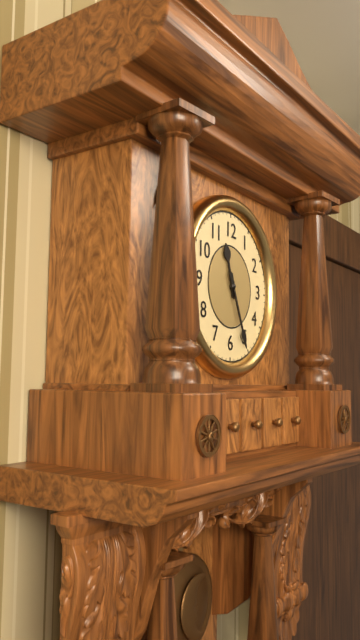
11.26
